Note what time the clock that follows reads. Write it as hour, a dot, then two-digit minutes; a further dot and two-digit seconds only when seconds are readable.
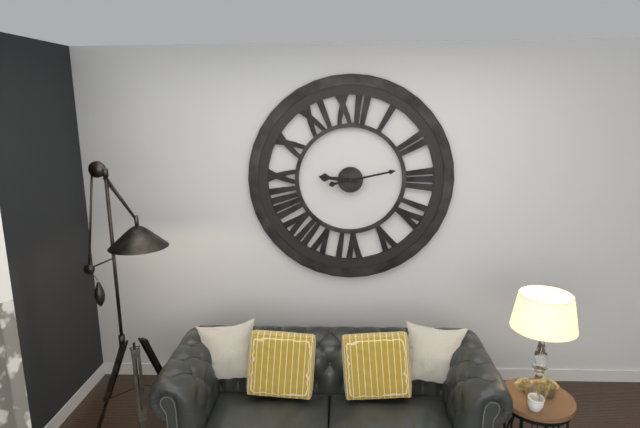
9.13
